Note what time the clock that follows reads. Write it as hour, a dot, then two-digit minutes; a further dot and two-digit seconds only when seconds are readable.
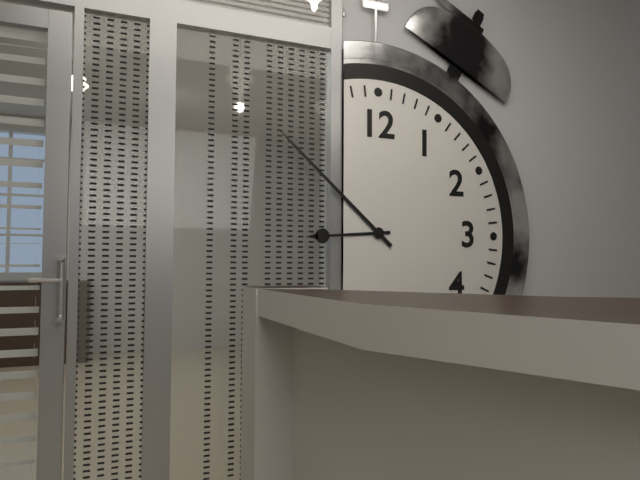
8.52
